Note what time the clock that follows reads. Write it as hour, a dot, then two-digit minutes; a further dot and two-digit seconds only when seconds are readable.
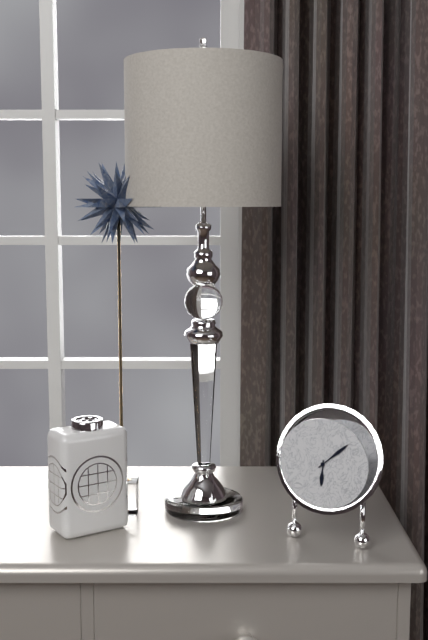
6.08
